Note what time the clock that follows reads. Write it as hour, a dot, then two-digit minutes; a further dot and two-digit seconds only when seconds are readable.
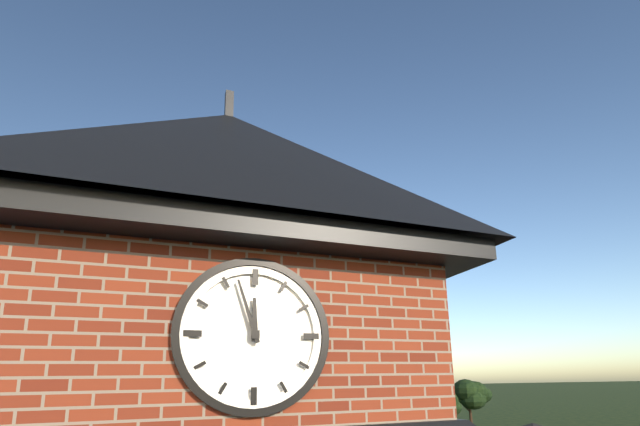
11.57
